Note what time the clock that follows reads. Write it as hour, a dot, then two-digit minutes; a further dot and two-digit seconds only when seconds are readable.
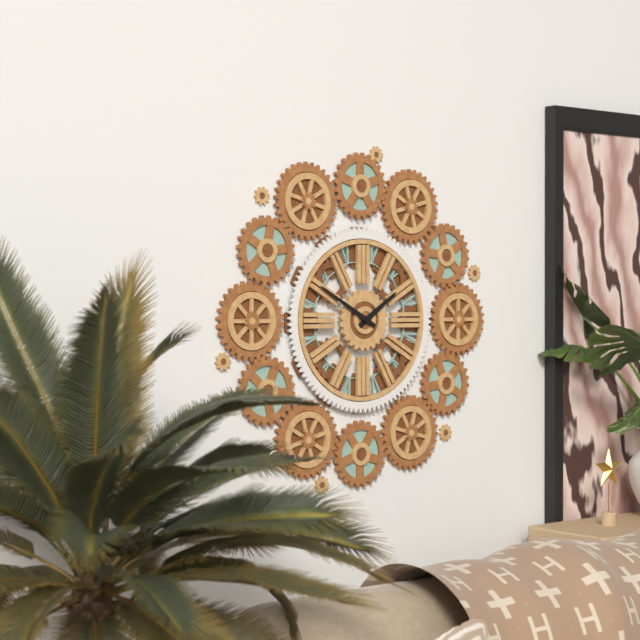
1.50
